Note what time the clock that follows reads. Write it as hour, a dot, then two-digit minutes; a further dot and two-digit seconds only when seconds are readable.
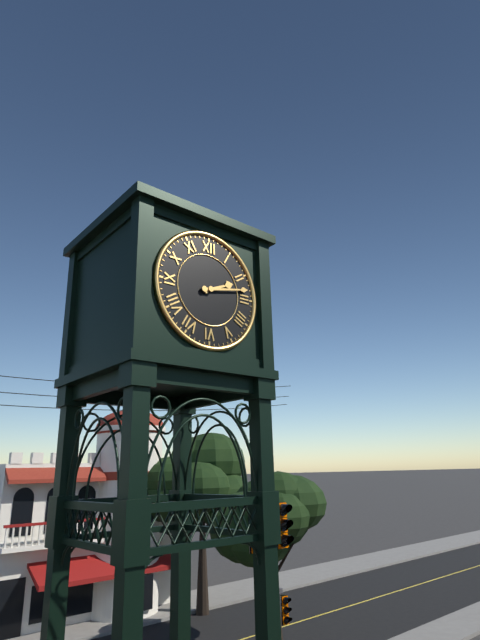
2.13
